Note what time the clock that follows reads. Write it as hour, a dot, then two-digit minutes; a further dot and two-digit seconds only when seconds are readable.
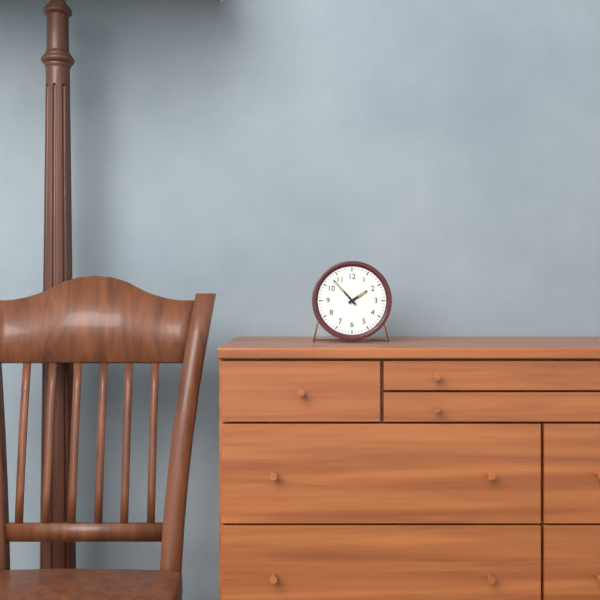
1.53
